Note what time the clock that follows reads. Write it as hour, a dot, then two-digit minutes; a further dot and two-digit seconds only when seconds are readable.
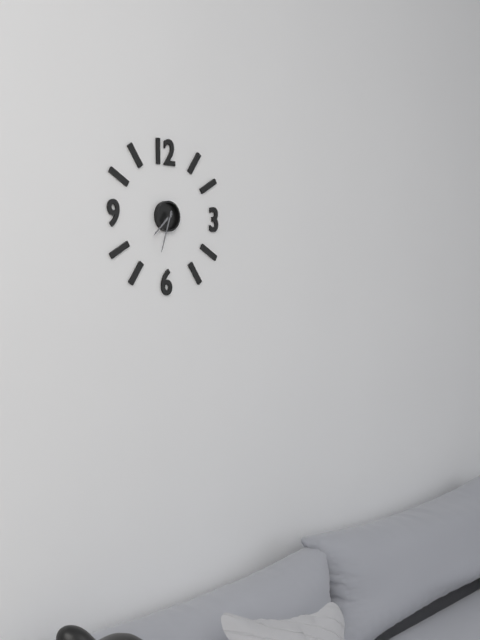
7.33
